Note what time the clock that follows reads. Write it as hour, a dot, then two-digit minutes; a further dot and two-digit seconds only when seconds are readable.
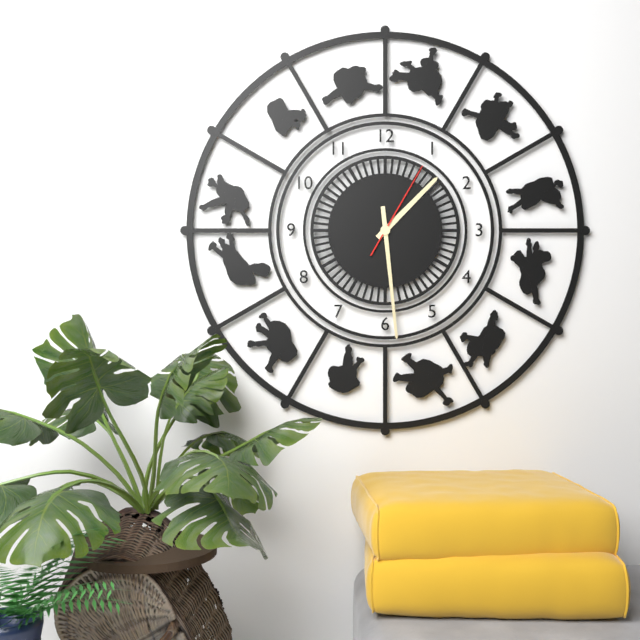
1.29.05
